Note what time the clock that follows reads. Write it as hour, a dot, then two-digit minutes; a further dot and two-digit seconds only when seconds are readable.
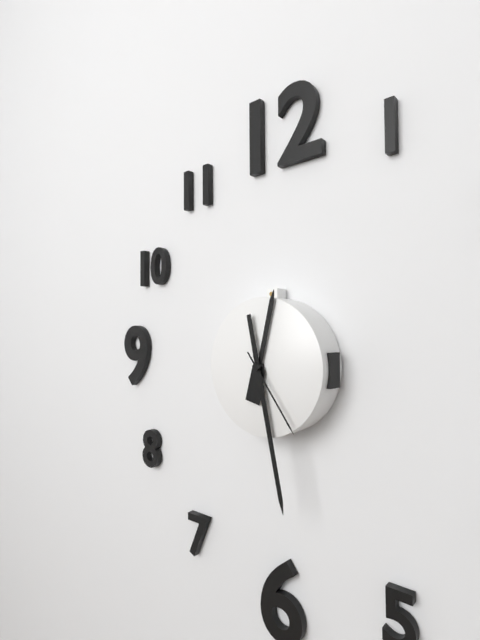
12.28.24
